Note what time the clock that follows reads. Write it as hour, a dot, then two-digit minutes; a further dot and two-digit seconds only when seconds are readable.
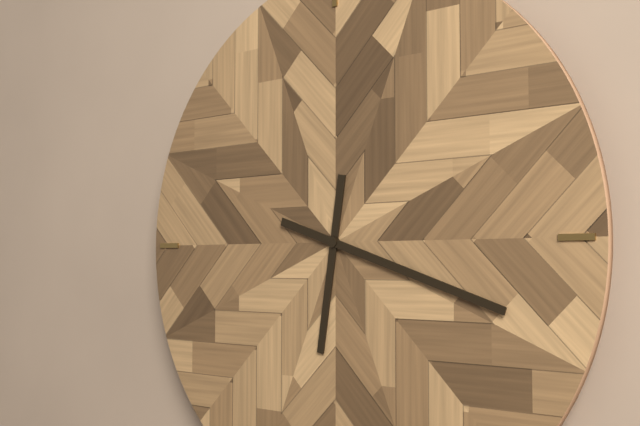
6.18
